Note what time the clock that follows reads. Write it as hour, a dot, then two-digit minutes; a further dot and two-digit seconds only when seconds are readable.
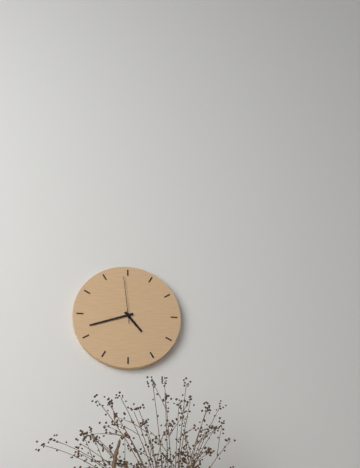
4.42
